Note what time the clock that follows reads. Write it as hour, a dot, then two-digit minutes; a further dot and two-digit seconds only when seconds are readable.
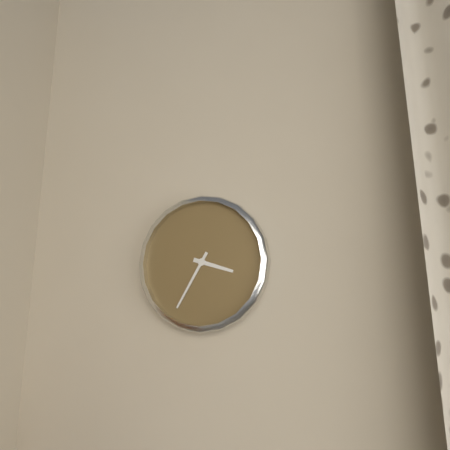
3.35
